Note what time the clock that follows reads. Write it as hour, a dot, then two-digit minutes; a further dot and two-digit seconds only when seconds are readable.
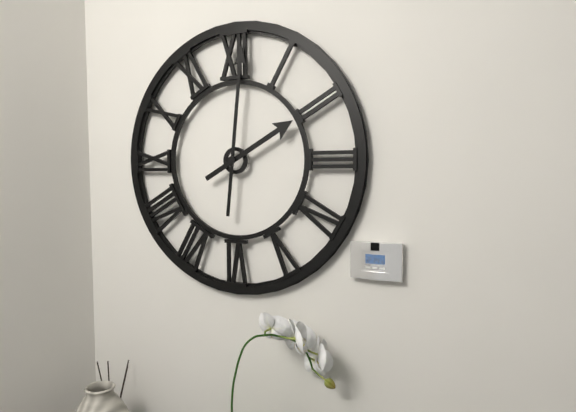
2.01
